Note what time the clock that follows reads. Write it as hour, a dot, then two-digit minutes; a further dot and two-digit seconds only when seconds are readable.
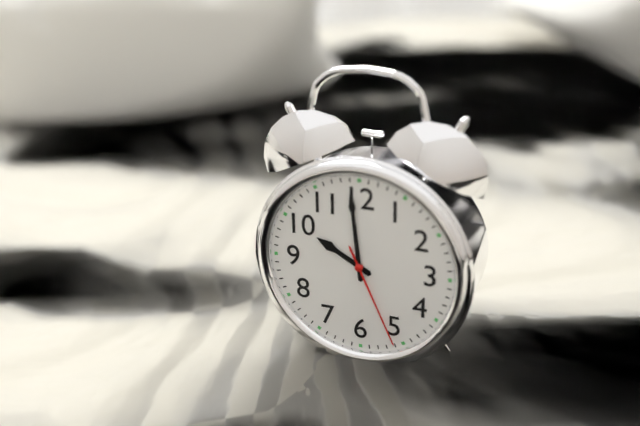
9.59.26
